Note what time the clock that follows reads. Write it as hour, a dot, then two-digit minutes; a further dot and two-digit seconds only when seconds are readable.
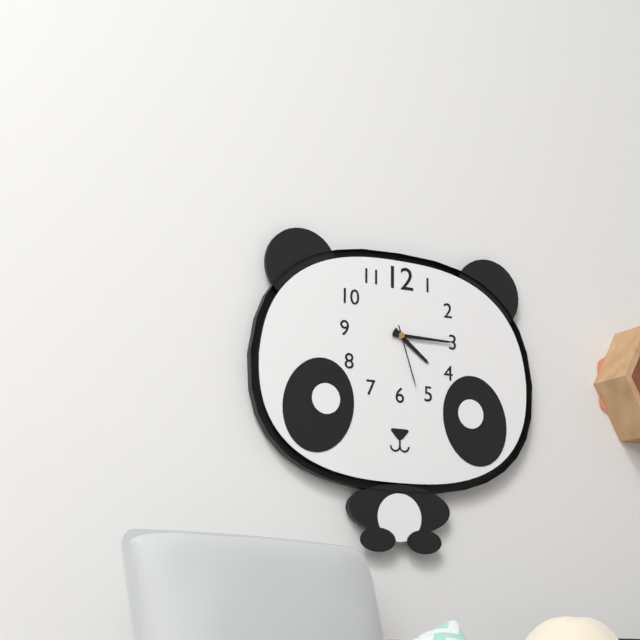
4.15.27
